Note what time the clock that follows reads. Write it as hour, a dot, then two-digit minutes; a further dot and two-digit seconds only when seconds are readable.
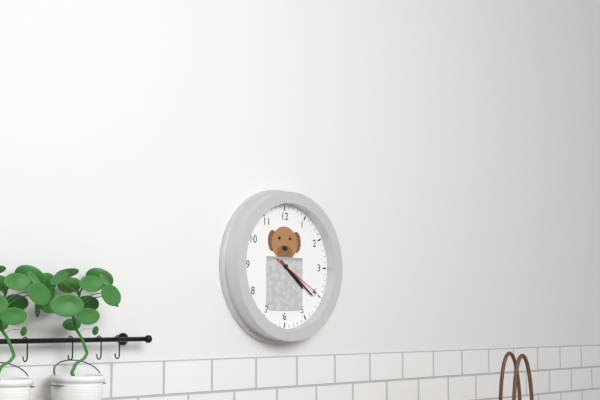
4.21.20
